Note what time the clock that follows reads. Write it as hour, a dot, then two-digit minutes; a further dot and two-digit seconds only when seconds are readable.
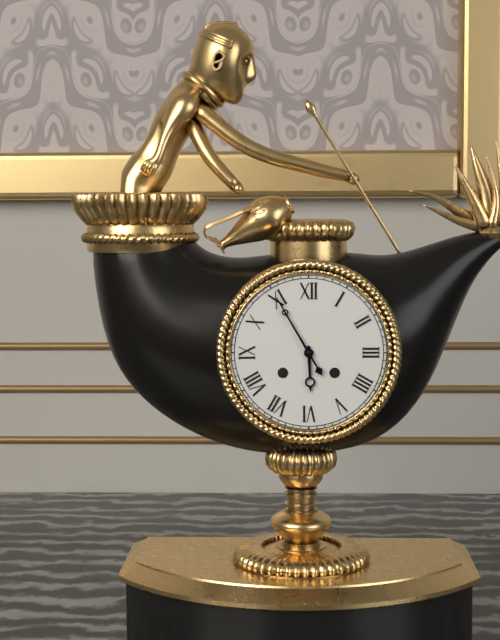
5.55
